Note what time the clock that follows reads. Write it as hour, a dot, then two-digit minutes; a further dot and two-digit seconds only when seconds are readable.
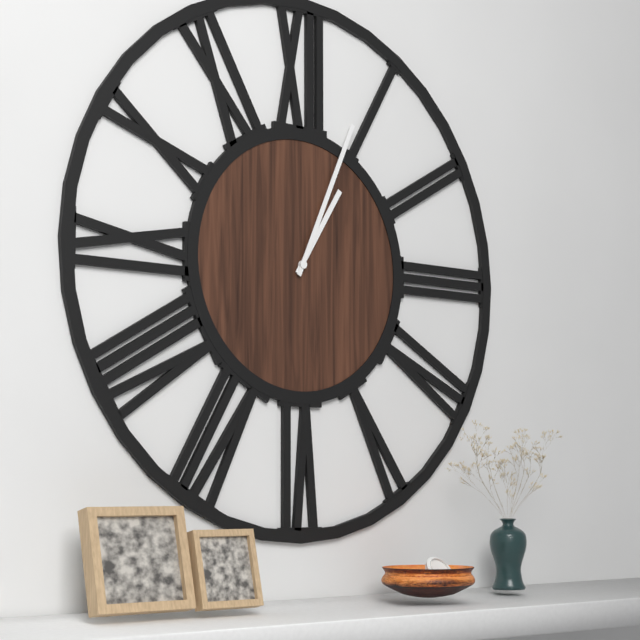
1.04
